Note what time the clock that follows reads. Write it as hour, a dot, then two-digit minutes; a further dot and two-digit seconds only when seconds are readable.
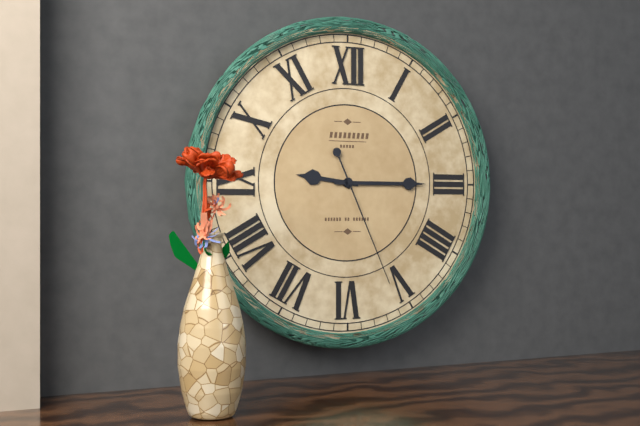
9.15.26
